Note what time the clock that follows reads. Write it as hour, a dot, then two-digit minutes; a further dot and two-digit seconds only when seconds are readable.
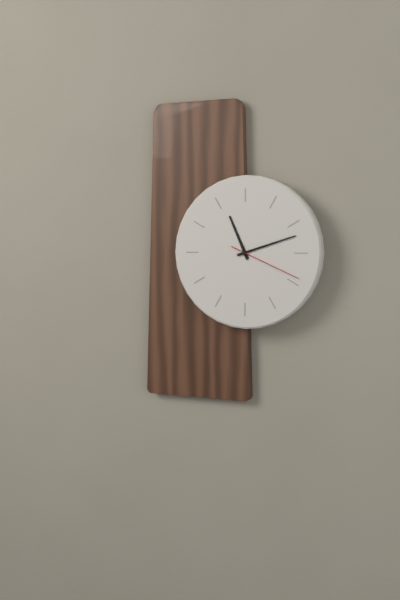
11.12.19
